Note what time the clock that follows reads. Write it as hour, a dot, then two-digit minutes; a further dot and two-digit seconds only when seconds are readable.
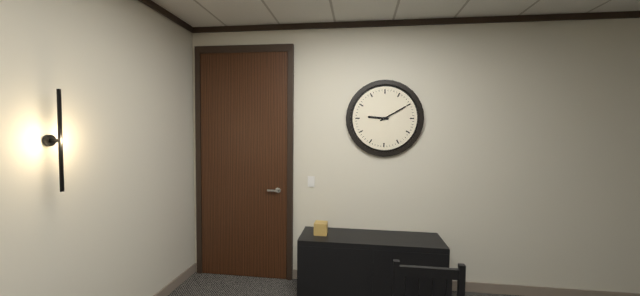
9.10
